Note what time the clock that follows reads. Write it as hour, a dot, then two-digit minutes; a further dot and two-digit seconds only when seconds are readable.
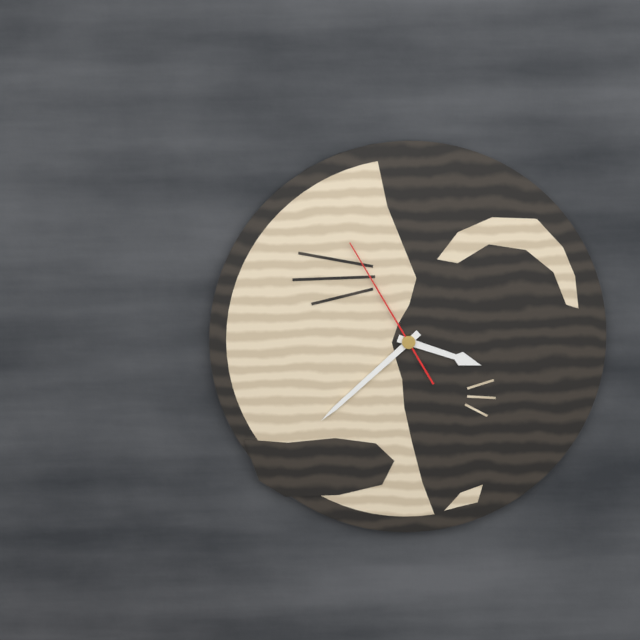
3.38.55
